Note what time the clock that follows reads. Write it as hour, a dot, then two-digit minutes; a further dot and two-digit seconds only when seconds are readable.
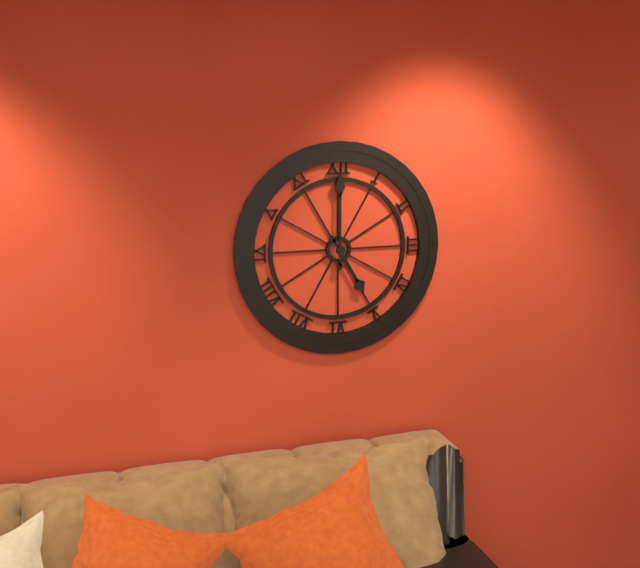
5.00
